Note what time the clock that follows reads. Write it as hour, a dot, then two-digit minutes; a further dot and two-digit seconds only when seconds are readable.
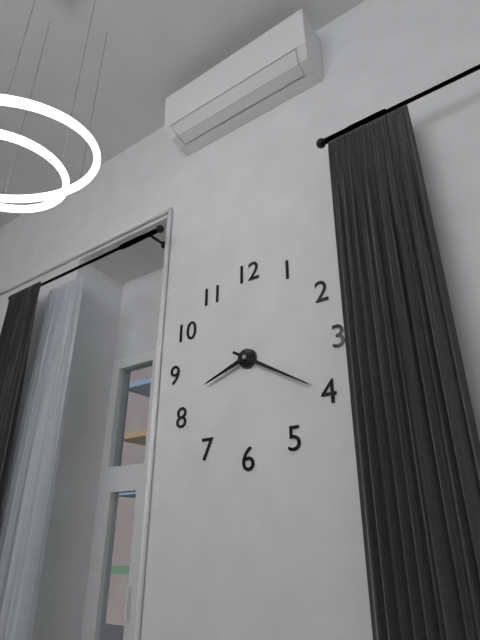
8.20
